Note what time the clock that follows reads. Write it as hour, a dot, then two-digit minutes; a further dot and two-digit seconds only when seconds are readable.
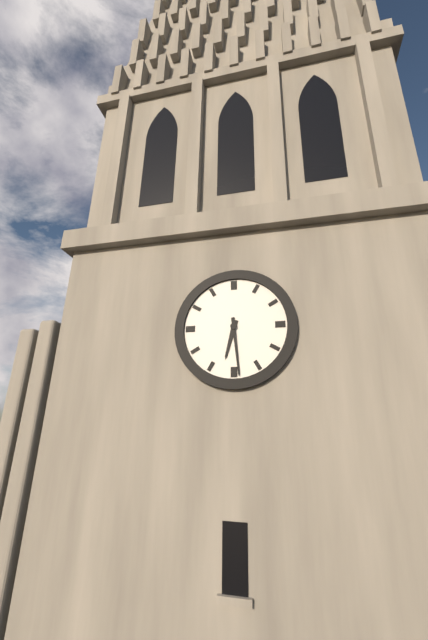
6.29
